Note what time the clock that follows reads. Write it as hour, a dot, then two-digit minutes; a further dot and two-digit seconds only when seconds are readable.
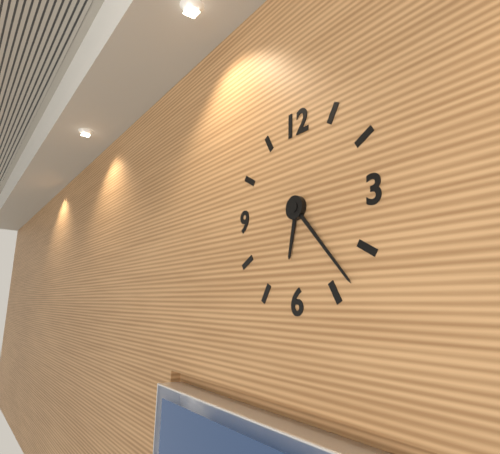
6.23
